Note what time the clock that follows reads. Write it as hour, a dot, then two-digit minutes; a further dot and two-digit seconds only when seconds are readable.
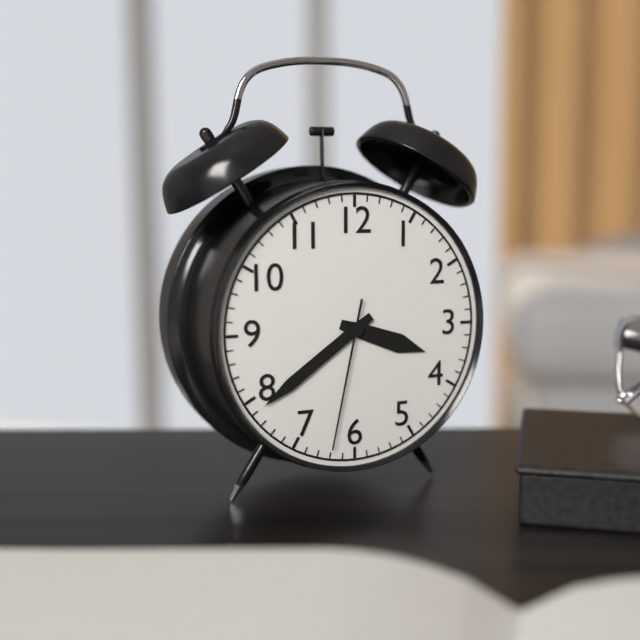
3.39.32
